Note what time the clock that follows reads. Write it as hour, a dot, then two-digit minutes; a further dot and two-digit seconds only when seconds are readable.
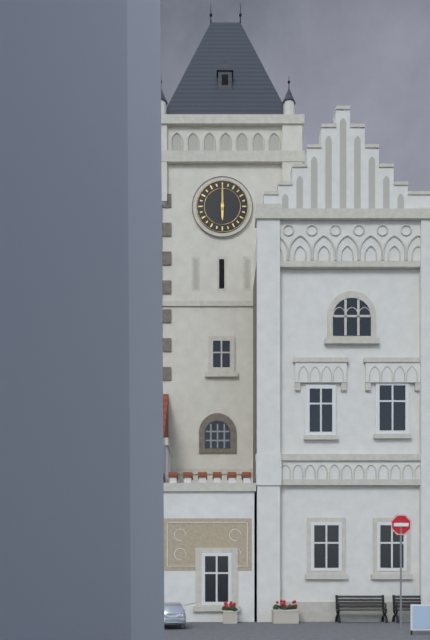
6.00
